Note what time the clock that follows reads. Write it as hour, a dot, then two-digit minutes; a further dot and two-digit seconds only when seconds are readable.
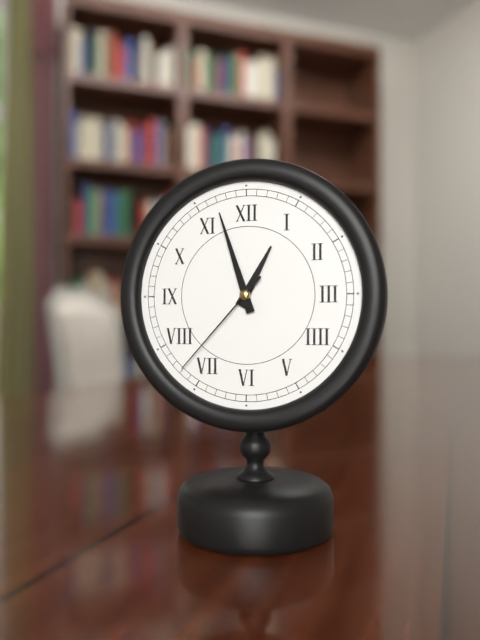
12.57.37
